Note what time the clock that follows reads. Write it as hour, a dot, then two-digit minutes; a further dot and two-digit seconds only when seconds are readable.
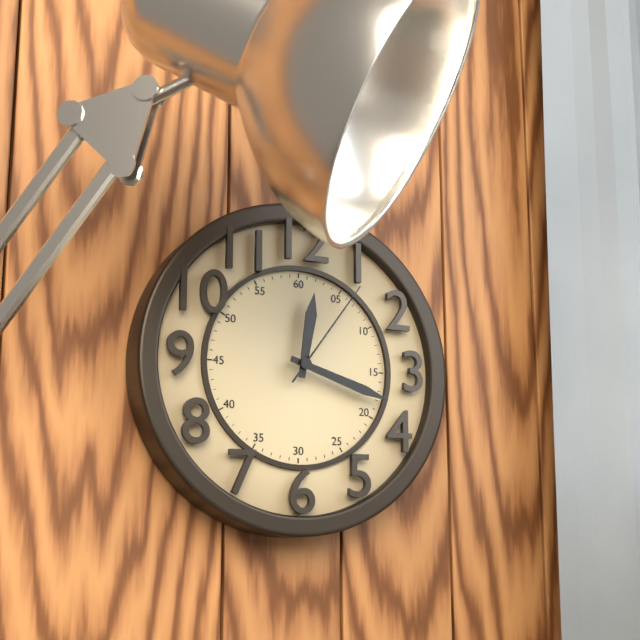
12.18.06
